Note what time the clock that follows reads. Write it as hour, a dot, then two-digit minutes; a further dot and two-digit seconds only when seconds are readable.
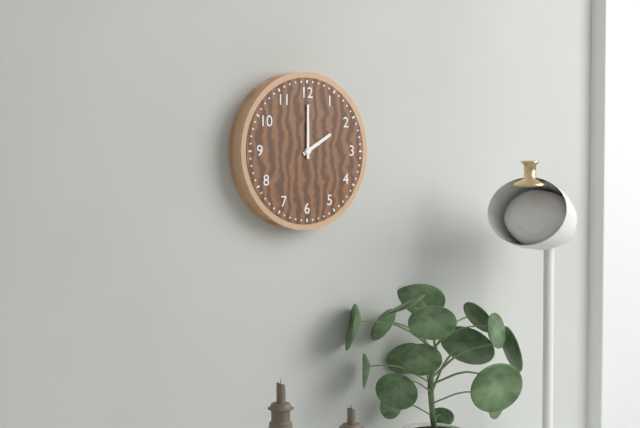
2.00
